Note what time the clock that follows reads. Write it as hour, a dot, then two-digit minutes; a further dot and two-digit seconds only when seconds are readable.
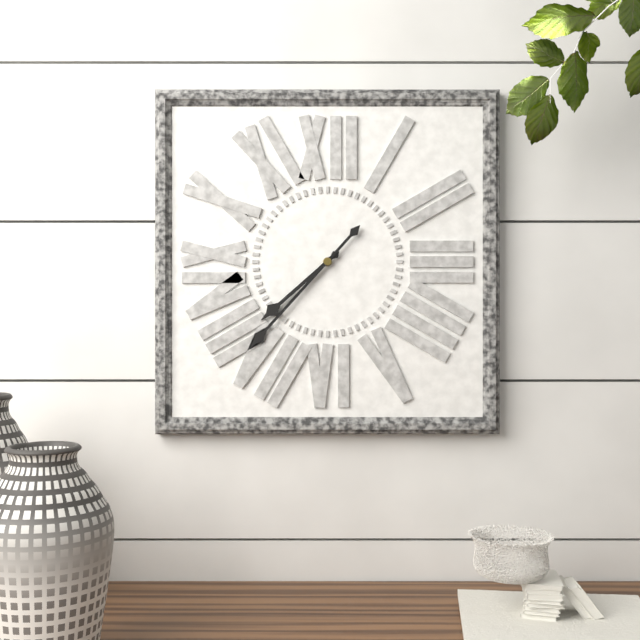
7.37
